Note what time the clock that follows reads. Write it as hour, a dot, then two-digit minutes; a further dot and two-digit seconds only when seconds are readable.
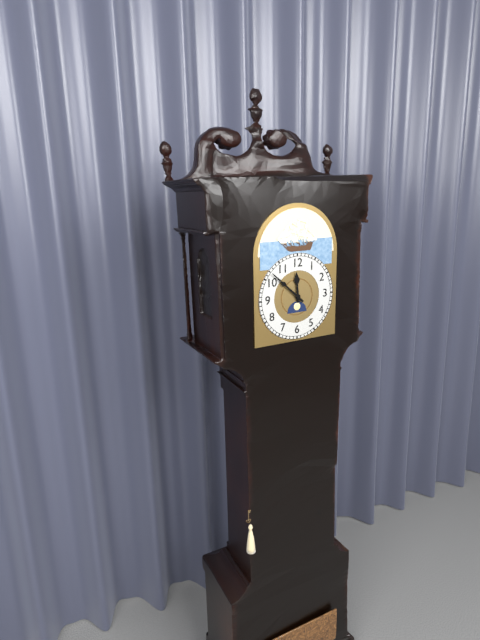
11.52
